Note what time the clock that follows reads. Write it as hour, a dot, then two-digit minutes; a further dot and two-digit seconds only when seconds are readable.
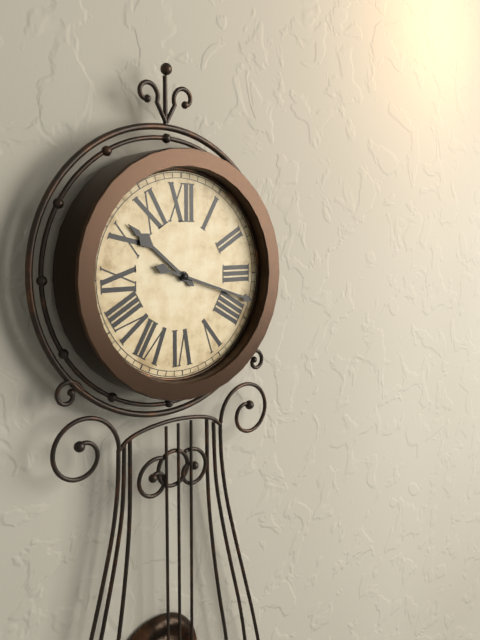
10.18
